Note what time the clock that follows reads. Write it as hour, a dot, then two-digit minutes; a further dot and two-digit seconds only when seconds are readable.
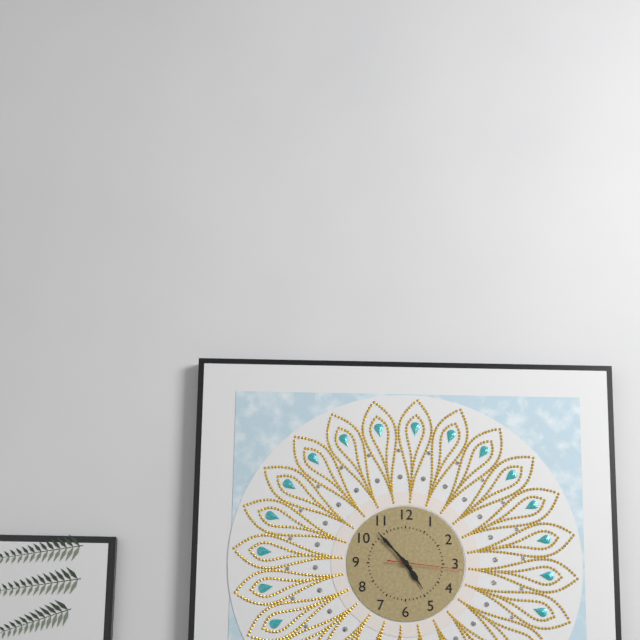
4.53.16
